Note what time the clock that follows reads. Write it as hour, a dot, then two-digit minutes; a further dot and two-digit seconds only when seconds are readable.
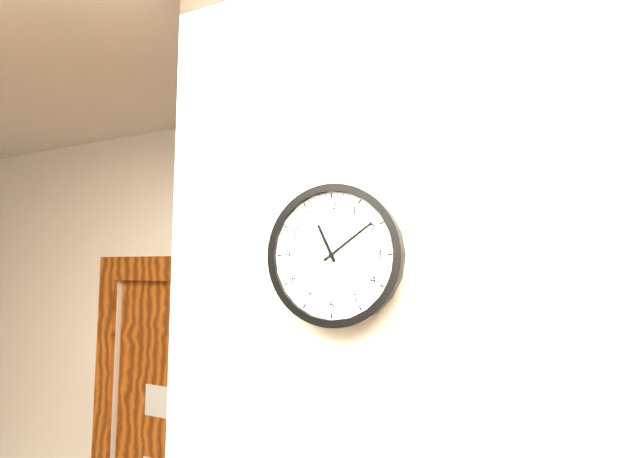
11.09
